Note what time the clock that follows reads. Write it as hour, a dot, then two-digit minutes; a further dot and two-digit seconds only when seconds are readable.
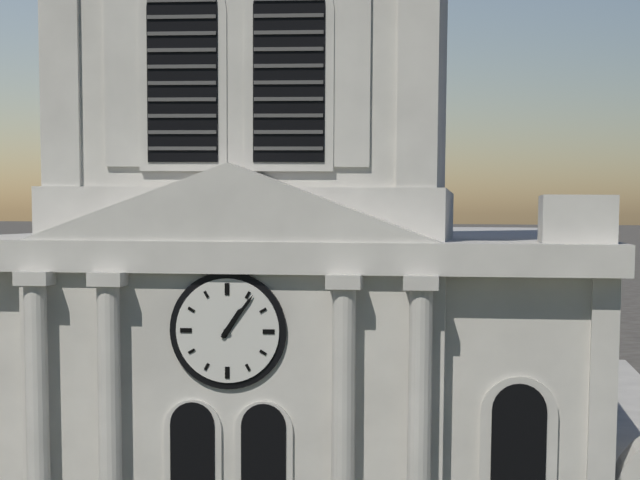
1.06
